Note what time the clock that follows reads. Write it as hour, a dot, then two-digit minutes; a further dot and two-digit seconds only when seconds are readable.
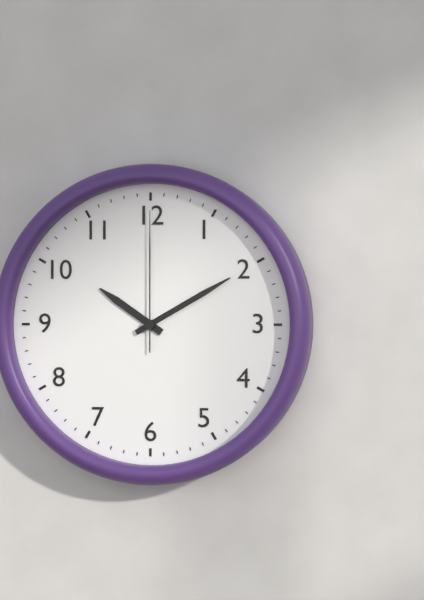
10.10.00
